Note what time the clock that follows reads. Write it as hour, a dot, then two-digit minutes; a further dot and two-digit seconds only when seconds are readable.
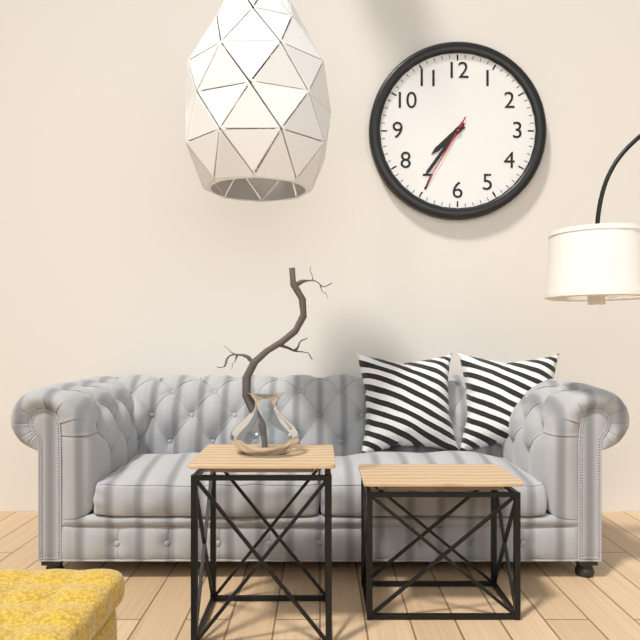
7.36.35
